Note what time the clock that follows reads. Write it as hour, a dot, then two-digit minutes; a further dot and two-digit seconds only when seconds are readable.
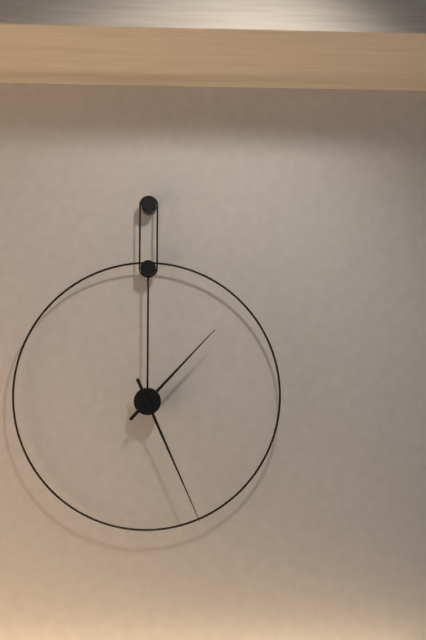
1.26
